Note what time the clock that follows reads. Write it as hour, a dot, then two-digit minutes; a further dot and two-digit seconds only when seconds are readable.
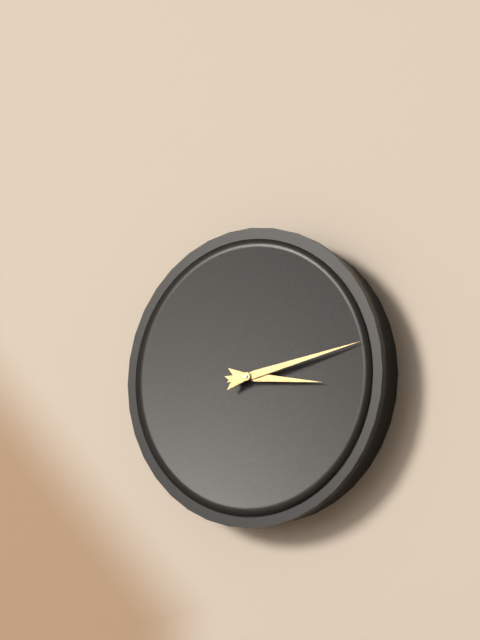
3.13
